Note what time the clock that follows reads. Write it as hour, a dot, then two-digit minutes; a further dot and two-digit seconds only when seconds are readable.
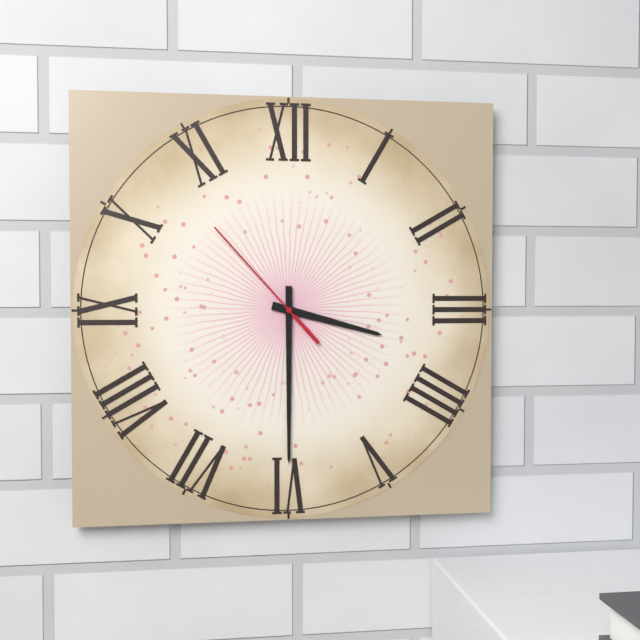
3.30.53
